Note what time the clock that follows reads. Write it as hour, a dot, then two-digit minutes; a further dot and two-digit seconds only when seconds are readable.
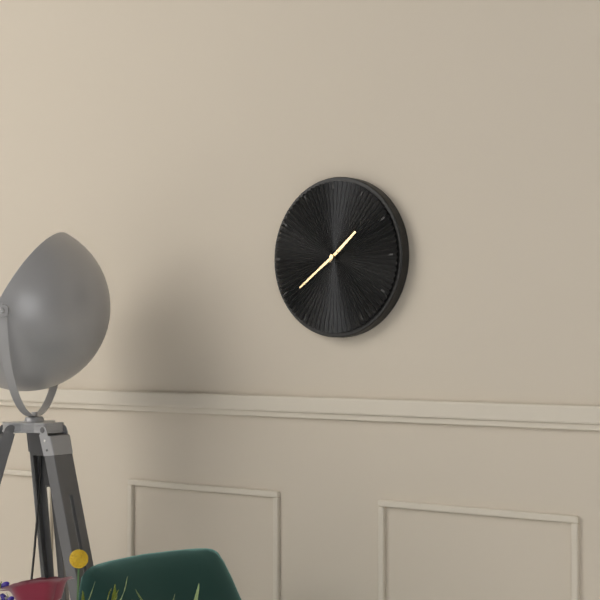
1.39
